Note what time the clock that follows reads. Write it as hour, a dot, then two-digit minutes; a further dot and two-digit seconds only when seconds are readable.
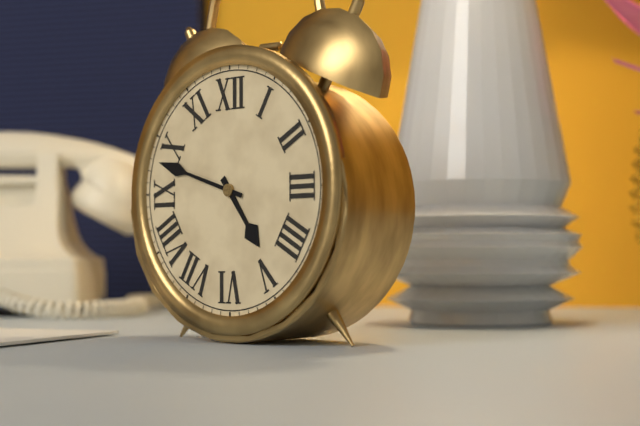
4.48
